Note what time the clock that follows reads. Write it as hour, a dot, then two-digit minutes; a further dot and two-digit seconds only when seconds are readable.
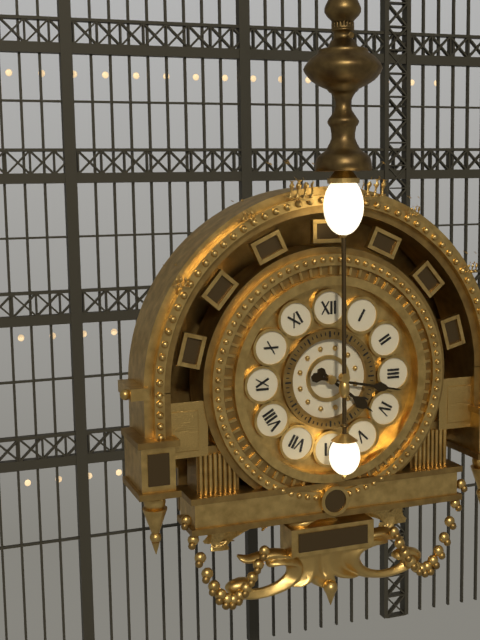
4.17
